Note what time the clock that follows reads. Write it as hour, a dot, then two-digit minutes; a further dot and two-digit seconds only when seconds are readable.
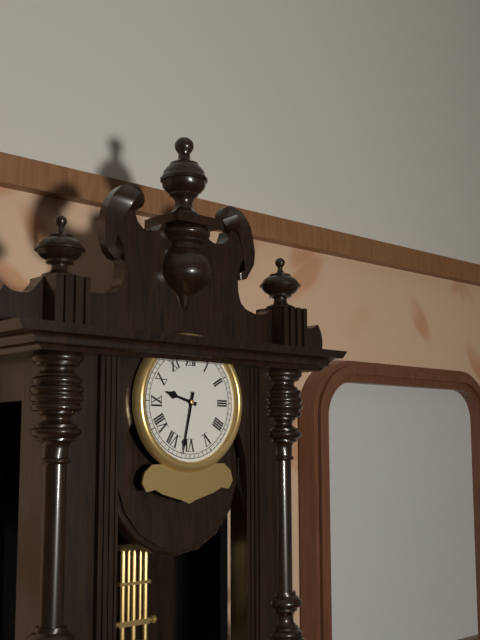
9.32
